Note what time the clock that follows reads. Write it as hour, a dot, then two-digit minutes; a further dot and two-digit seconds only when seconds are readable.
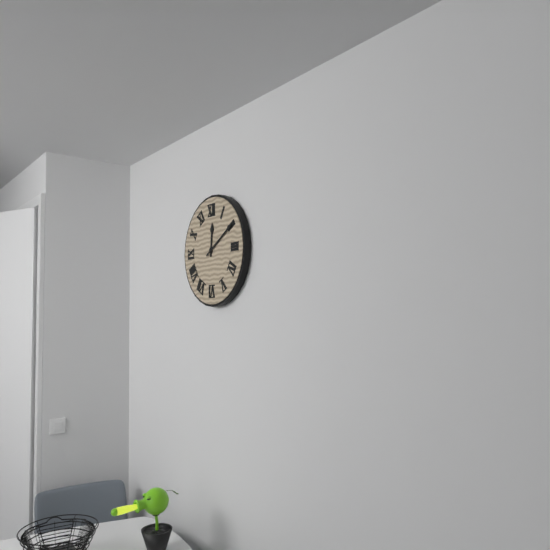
12.10
